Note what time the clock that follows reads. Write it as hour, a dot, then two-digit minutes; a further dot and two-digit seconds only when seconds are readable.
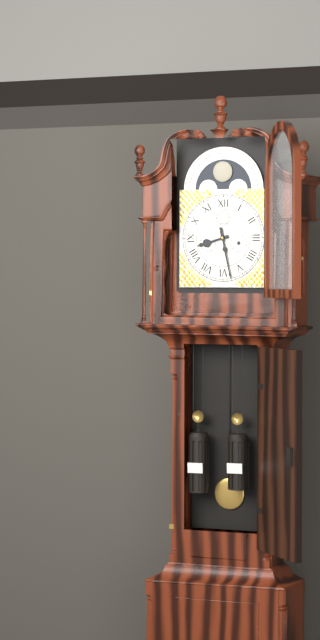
8.28
